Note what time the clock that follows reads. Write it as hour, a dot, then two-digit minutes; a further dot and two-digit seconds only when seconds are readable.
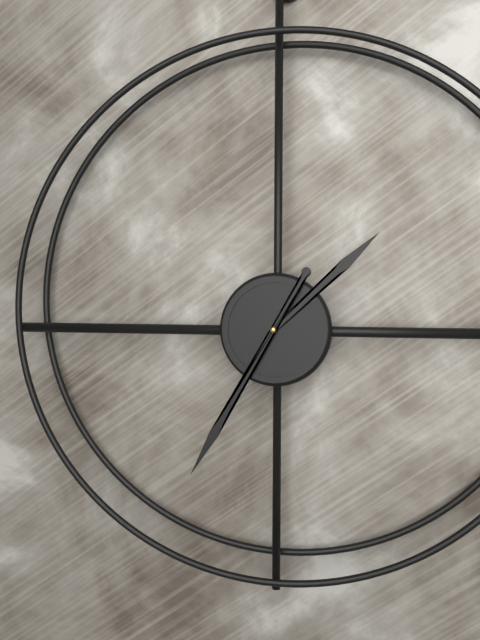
1.35
